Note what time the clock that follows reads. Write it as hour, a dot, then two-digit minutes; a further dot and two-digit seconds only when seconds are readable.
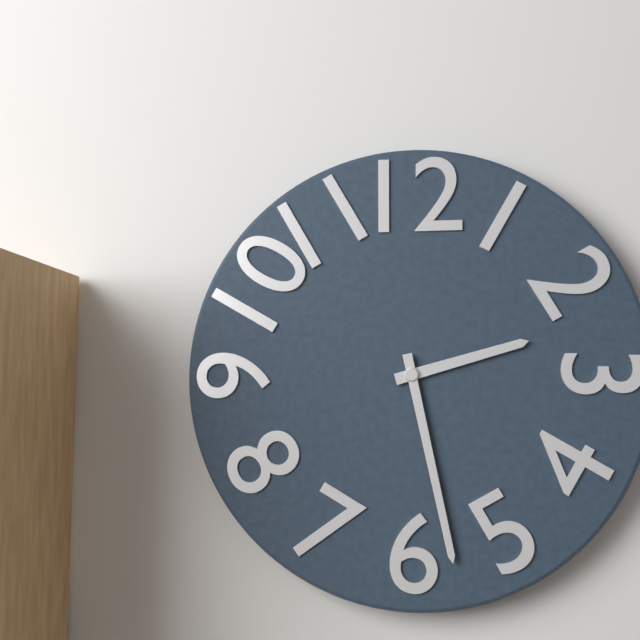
2.28
